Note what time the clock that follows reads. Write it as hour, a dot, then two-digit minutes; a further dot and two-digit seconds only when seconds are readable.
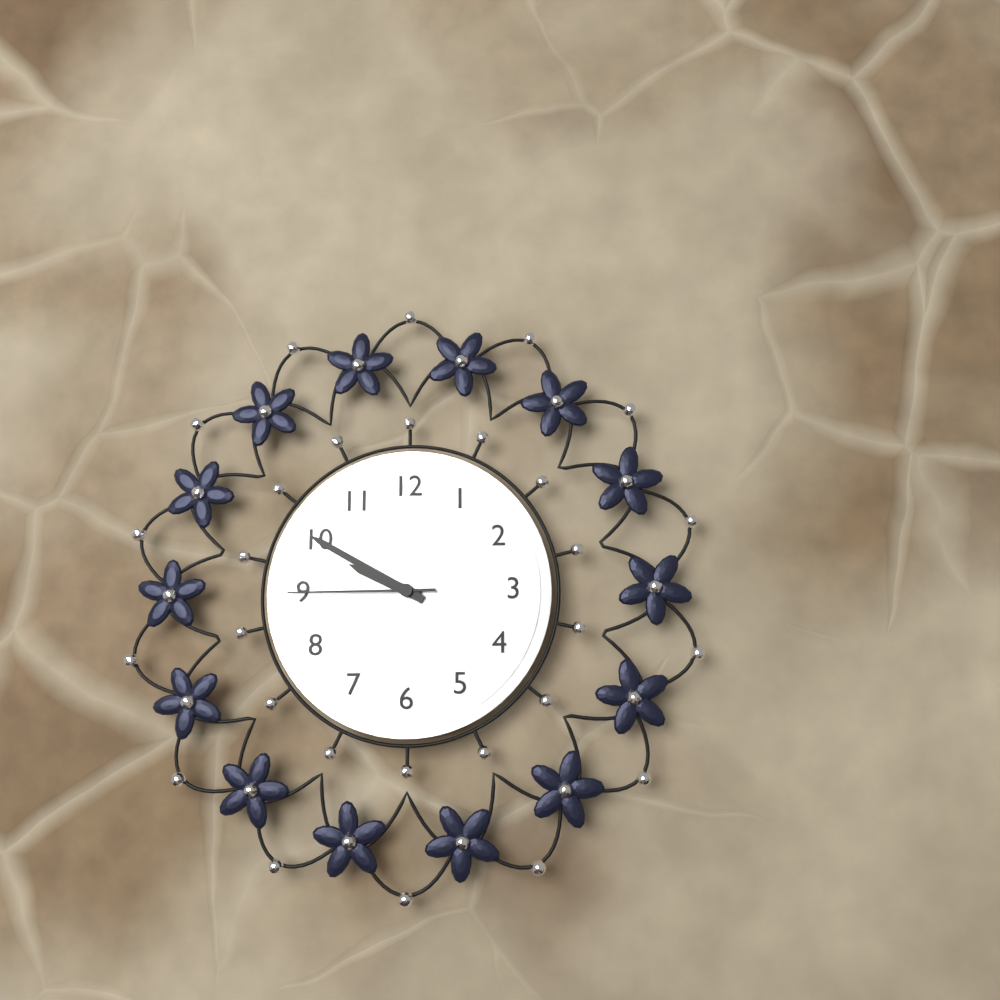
9.50.45
